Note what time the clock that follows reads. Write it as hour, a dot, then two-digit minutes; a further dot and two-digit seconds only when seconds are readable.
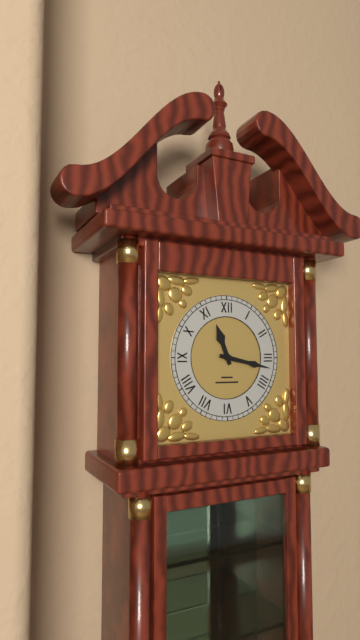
11.17
